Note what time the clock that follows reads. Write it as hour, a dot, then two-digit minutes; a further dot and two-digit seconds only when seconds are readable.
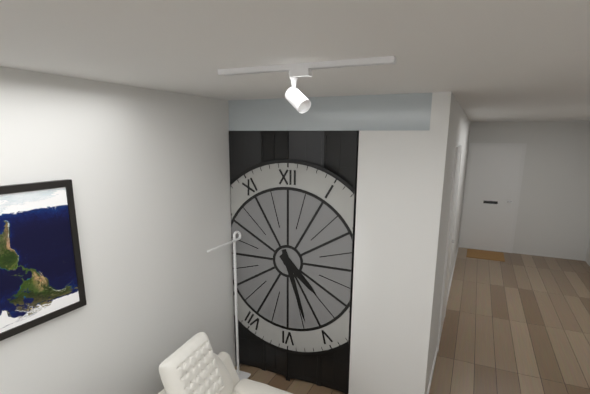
4.27
